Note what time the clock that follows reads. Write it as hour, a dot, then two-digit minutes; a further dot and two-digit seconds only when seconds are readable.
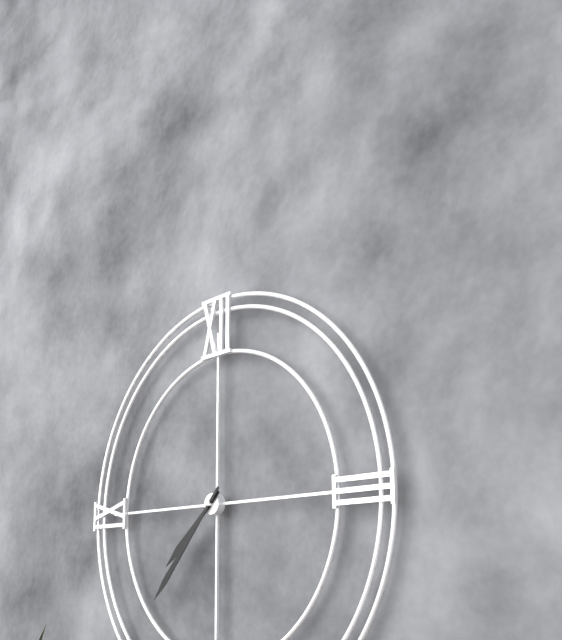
7.37
